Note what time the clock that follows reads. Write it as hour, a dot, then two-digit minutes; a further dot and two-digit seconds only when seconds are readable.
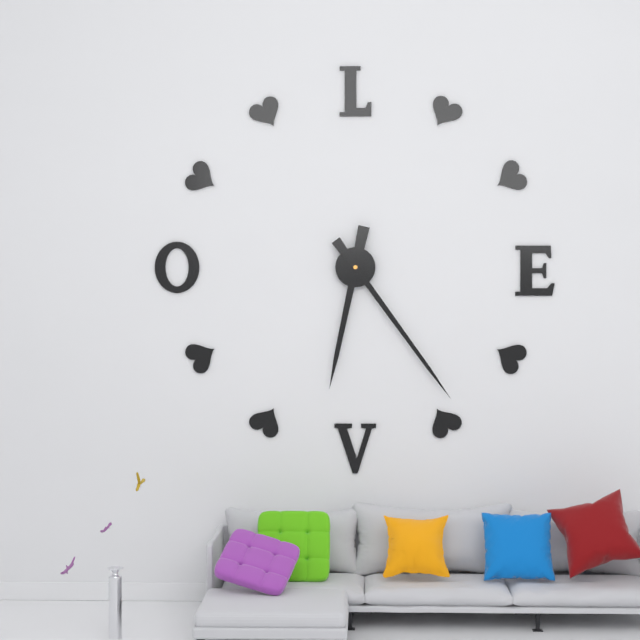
6.24
